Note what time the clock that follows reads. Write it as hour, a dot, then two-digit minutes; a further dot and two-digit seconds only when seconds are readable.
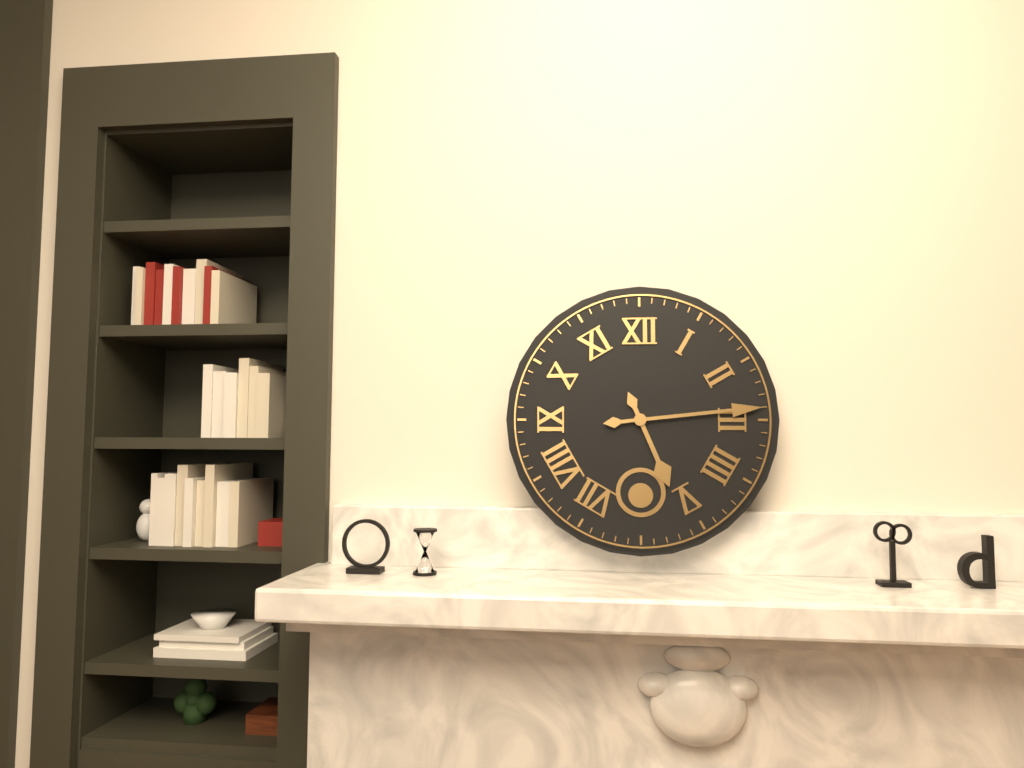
5.14
